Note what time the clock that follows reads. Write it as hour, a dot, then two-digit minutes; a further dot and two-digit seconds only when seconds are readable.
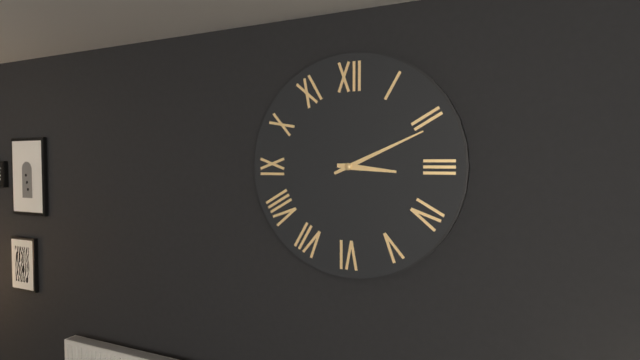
3.11
